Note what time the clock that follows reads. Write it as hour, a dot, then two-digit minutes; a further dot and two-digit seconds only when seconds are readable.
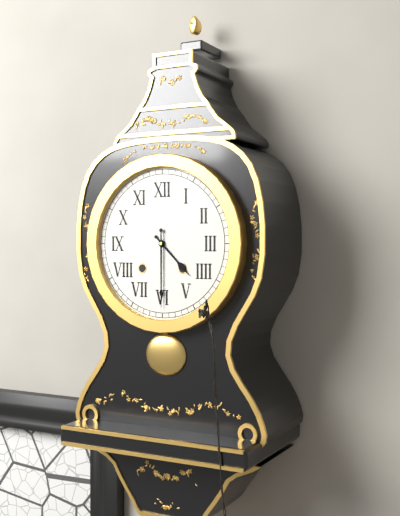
4.30
